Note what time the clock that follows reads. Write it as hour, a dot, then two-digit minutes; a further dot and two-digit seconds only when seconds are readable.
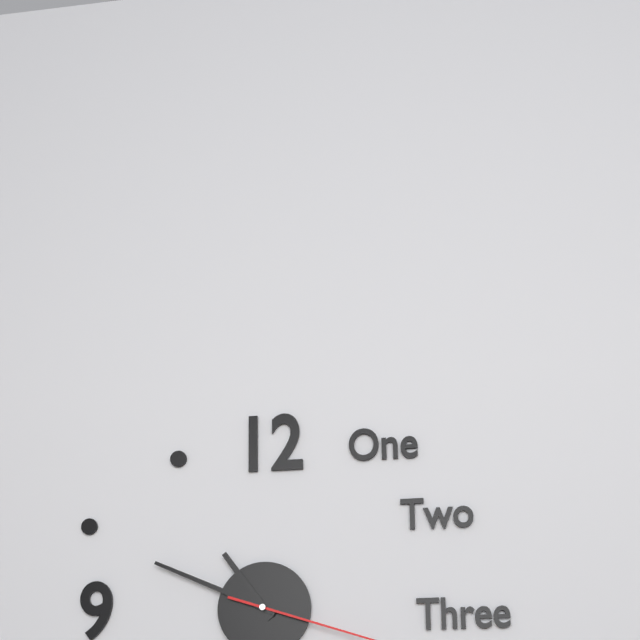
10.49
